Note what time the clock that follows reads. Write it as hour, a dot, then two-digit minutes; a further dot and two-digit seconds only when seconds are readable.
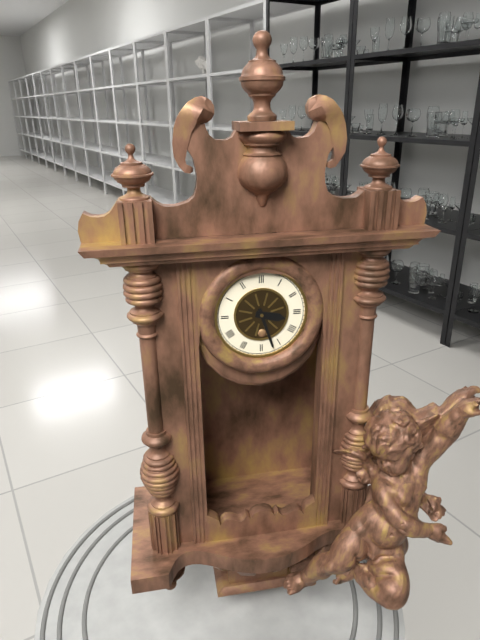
3.27
